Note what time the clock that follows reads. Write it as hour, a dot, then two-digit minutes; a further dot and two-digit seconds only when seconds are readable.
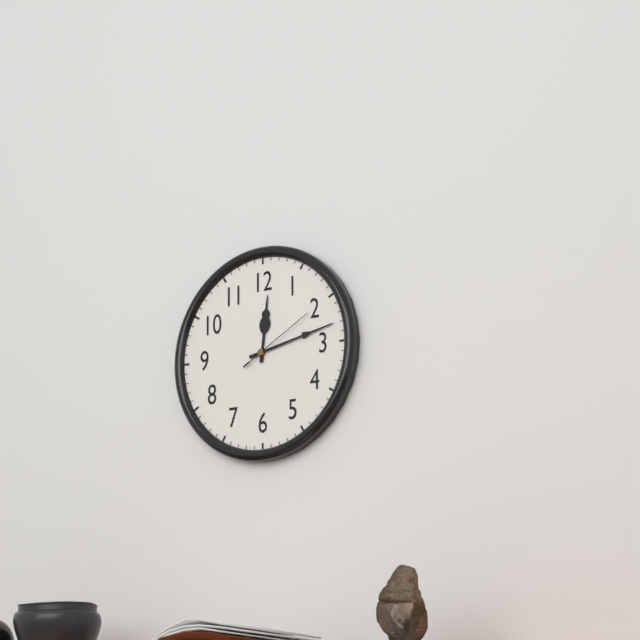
12.13.10
